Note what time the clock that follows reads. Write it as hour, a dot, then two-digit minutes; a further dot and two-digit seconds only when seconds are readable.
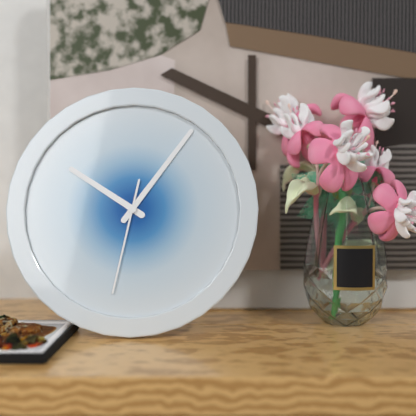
10.06.32
